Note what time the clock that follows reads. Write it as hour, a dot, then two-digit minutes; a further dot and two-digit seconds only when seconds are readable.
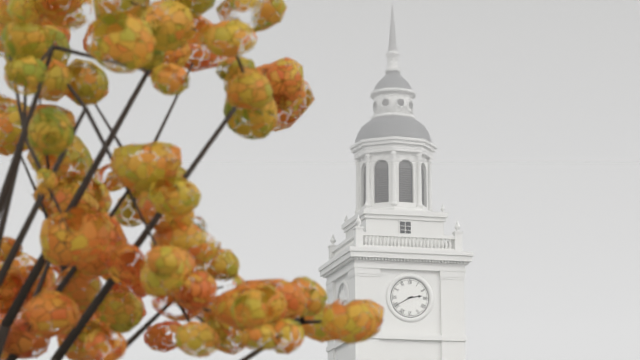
2.40
